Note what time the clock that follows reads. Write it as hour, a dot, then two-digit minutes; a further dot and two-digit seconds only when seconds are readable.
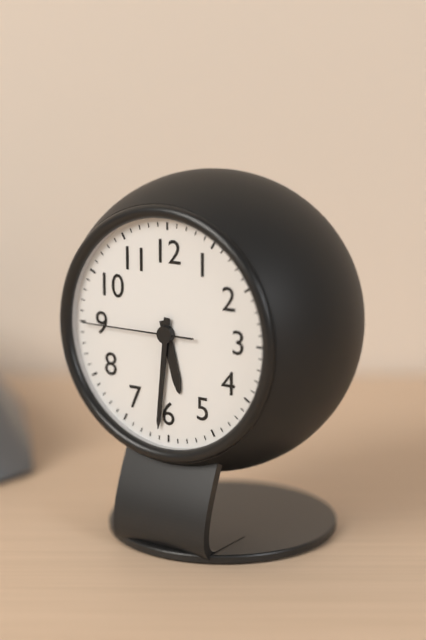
5.31.45
